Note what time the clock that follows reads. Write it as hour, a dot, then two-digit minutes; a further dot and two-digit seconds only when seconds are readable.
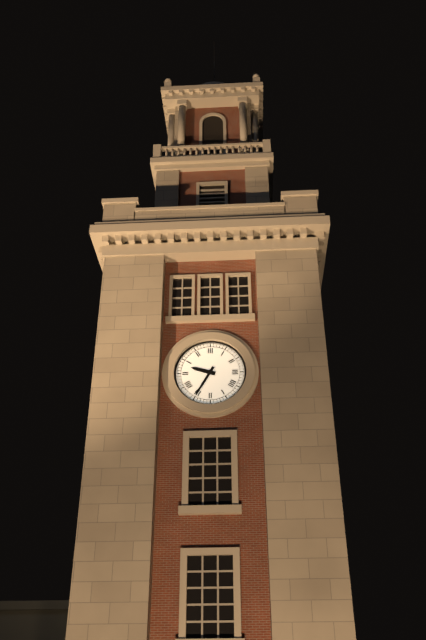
9.35
